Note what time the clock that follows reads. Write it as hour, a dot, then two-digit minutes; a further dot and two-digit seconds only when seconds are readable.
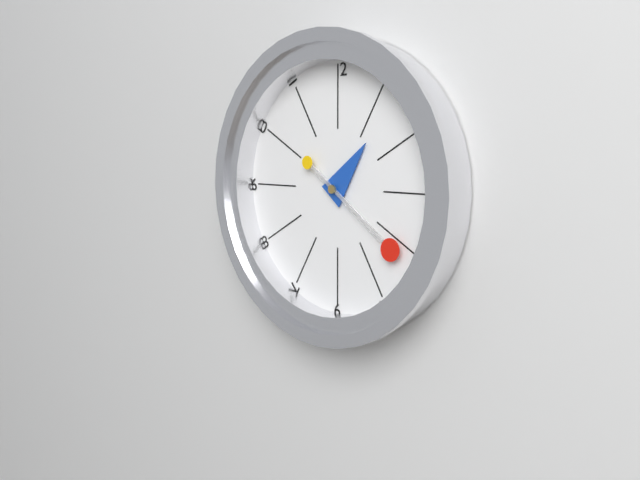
1.21
